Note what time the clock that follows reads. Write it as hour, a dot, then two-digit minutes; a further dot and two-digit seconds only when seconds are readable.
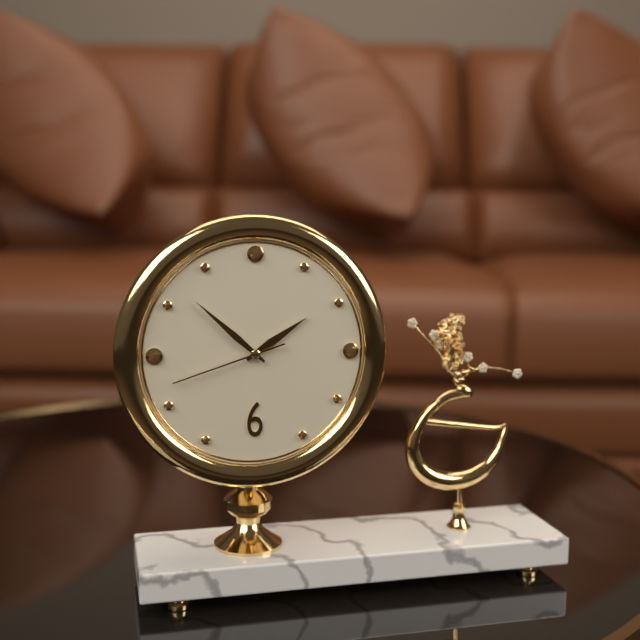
1.52.42
